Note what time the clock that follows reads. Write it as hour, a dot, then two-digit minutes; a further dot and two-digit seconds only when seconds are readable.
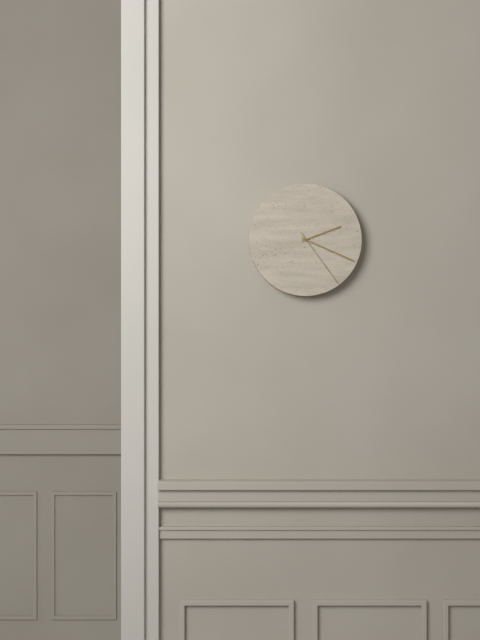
2.19.24
